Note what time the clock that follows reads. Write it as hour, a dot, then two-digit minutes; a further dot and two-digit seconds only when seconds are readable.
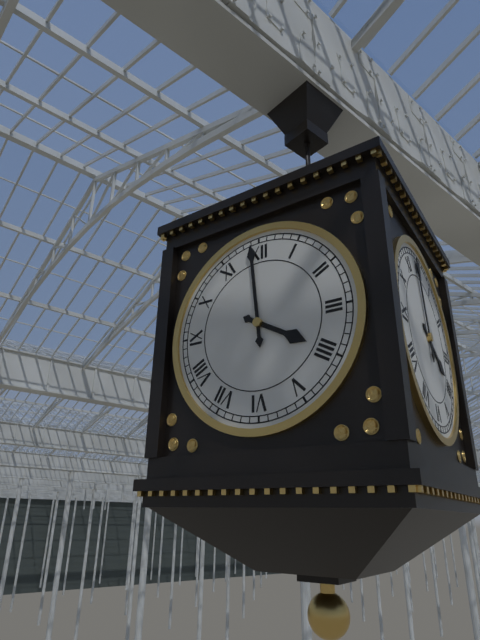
3.59
